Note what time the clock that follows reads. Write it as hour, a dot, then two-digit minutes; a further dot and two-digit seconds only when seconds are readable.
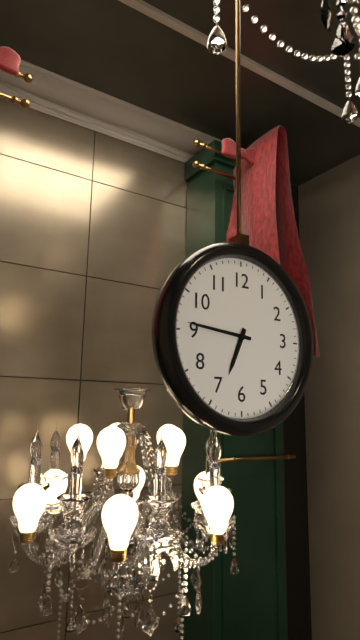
6.46
